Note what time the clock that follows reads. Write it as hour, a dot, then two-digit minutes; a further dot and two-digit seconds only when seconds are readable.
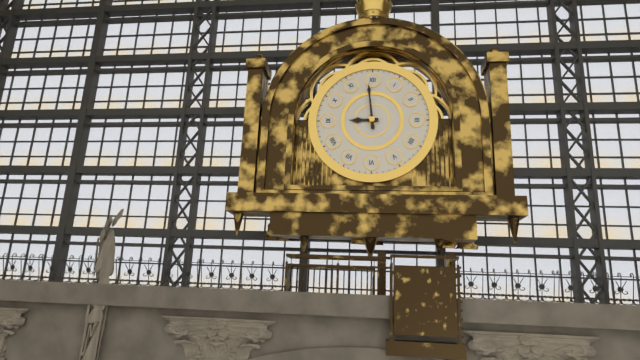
8.59
